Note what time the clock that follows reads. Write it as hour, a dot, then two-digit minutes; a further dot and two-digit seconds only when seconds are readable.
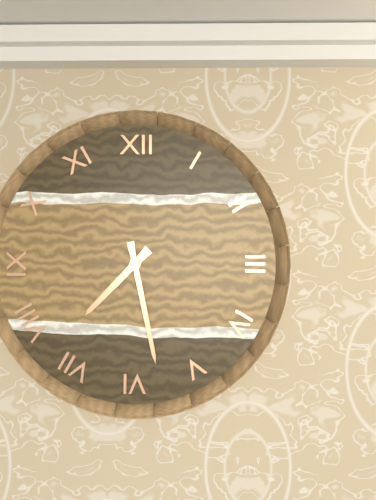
7.28
